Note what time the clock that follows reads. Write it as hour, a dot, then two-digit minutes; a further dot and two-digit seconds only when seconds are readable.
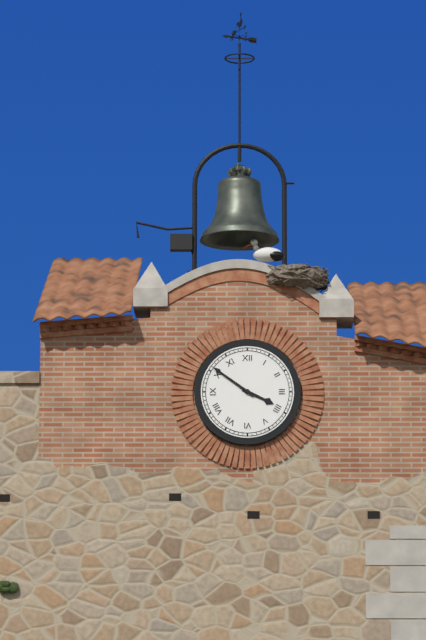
3.51
